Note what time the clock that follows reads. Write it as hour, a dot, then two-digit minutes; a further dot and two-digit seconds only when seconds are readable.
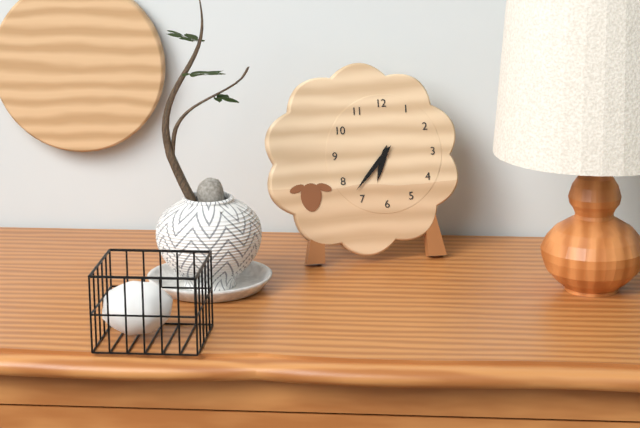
6.37
